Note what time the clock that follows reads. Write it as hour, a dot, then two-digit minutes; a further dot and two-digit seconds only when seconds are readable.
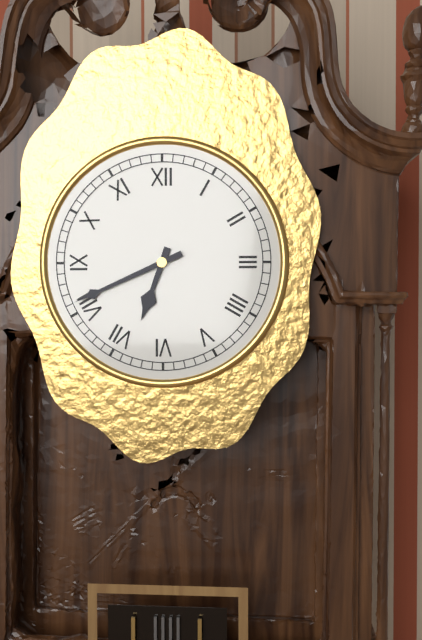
6.41
